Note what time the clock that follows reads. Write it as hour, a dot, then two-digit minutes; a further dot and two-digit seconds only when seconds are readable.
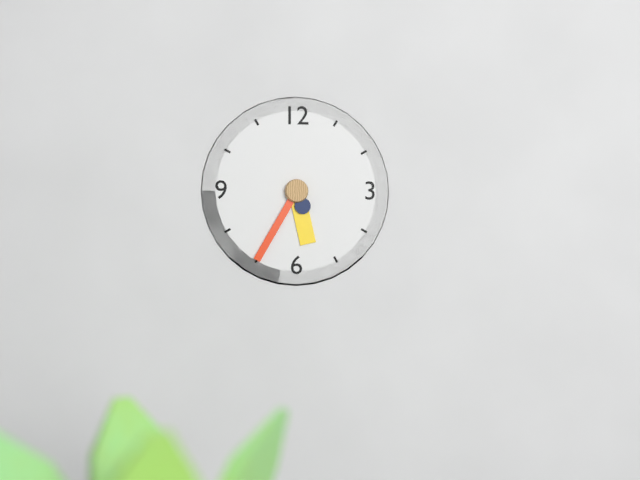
5.35
